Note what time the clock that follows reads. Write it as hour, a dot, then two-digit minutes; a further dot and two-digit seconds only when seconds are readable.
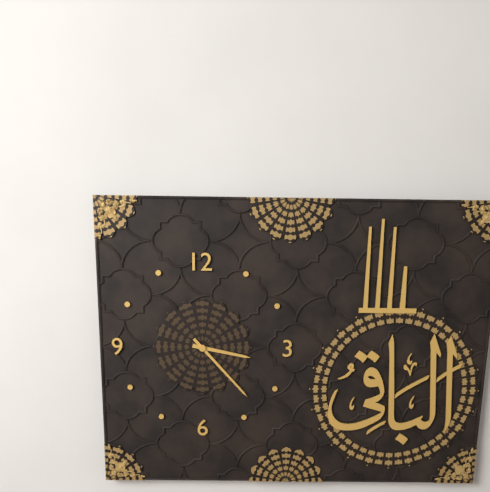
3.23
